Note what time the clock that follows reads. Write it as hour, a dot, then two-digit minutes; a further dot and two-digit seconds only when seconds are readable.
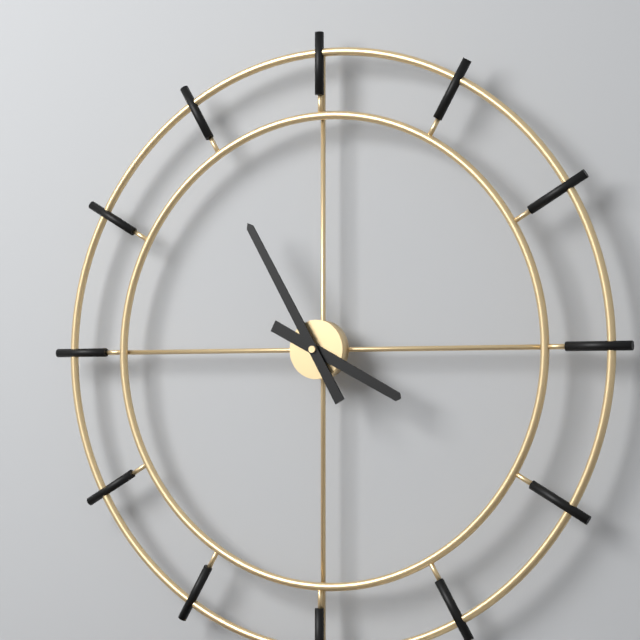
3.55
